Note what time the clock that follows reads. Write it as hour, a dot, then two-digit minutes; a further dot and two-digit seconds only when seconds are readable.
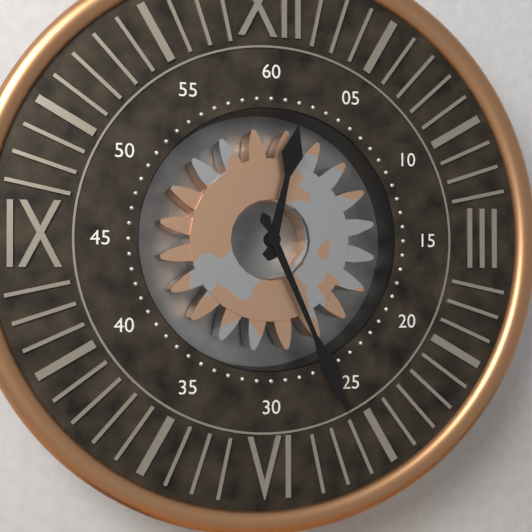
12.26
